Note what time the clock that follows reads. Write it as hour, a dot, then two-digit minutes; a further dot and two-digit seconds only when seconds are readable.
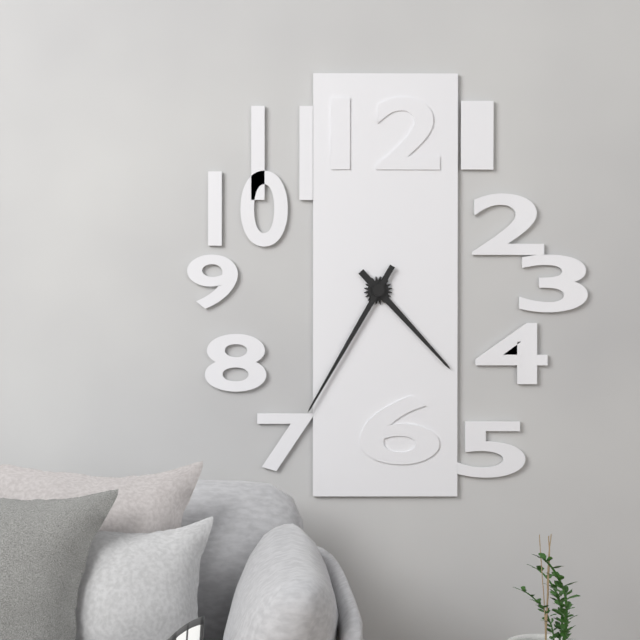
4.35
